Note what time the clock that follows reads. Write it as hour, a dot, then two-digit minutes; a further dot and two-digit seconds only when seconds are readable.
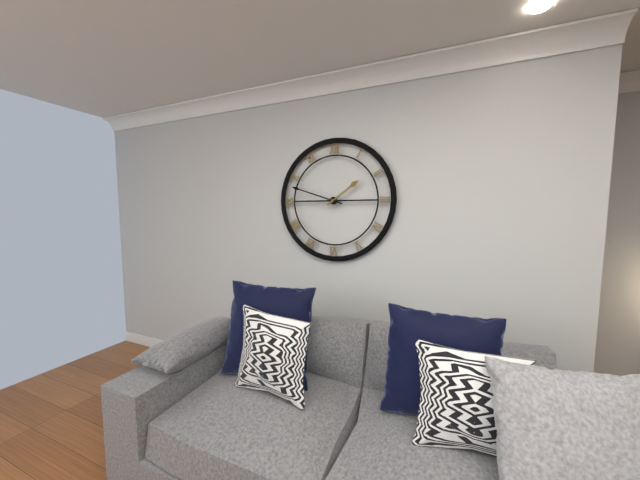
1.48
